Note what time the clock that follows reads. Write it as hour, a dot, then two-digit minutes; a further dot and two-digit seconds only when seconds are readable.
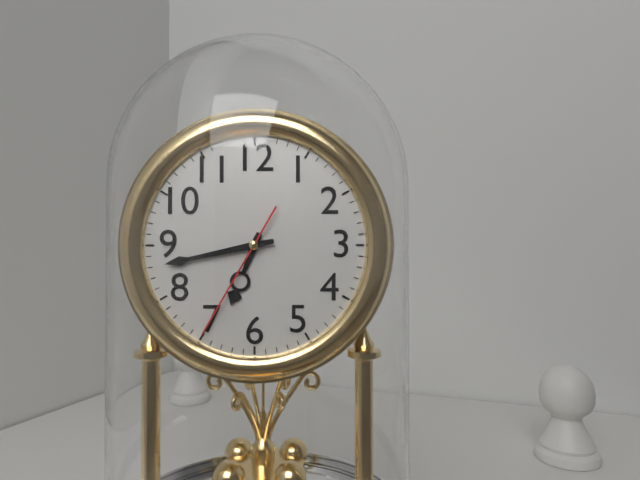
6.43.35
